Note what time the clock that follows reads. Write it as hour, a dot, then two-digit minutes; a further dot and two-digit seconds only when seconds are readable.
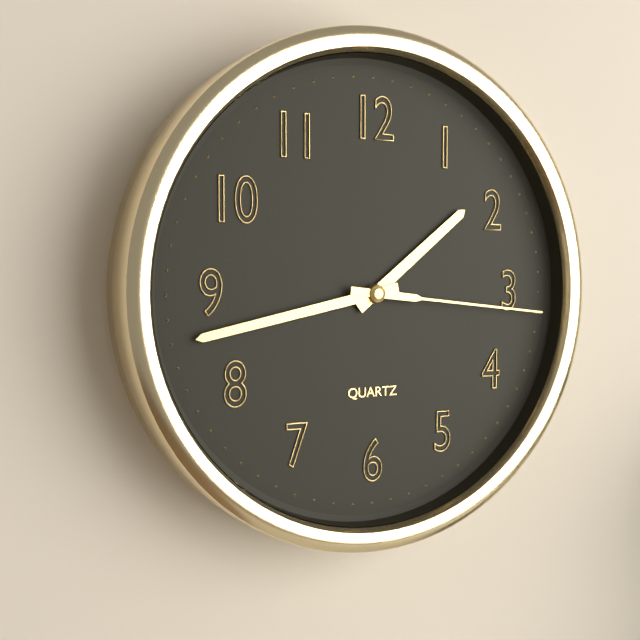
1.43.16
